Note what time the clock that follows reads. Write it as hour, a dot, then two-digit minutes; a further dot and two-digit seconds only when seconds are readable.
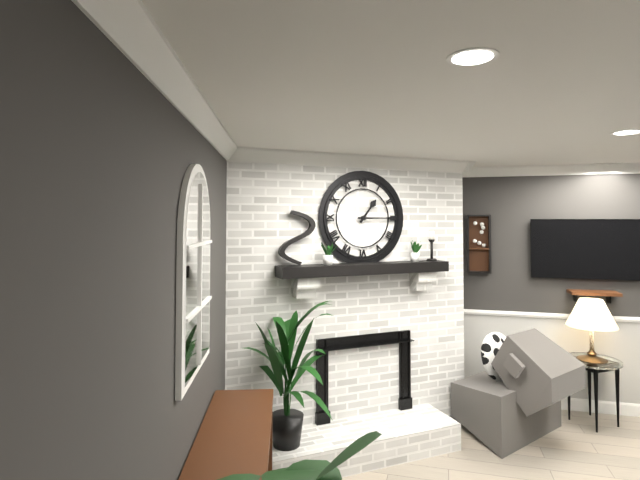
1.15
